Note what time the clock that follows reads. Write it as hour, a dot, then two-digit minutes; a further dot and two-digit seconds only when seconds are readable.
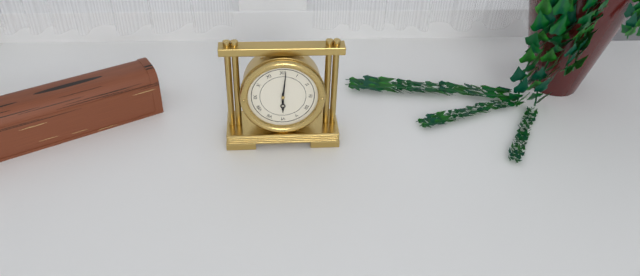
6.01
